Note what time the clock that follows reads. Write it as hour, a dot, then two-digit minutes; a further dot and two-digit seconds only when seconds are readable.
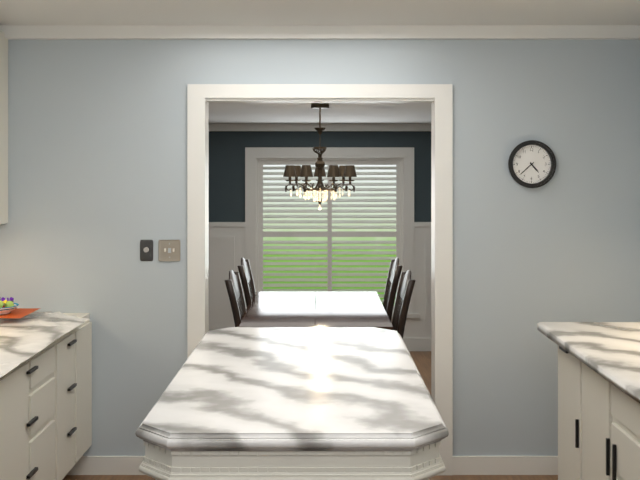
4.38
